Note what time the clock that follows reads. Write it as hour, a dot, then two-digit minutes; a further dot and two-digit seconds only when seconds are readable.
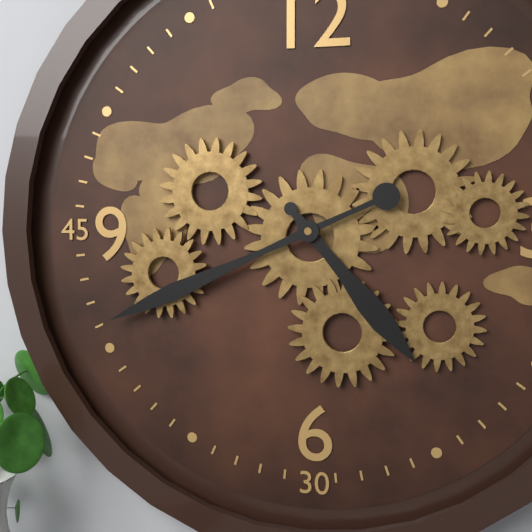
4.41
